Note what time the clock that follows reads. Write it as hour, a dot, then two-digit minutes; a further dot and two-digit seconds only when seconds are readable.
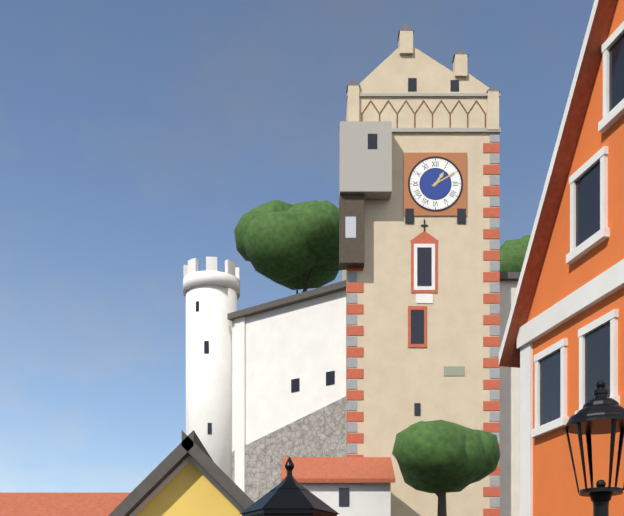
1.10
